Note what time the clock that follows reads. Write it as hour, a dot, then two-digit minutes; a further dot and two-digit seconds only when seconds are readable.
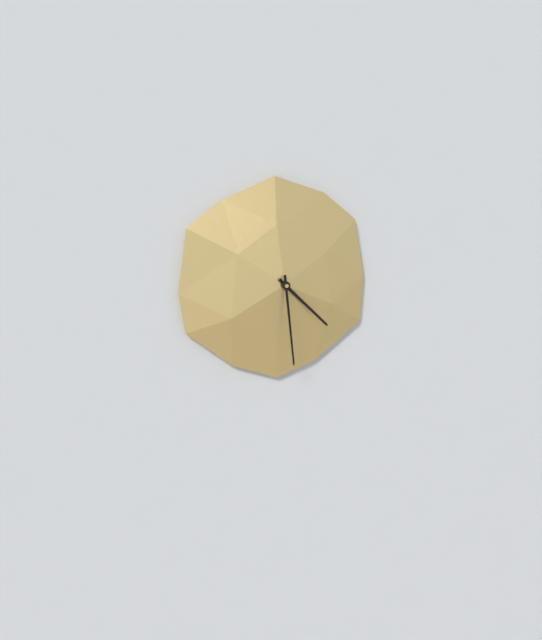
4.29
